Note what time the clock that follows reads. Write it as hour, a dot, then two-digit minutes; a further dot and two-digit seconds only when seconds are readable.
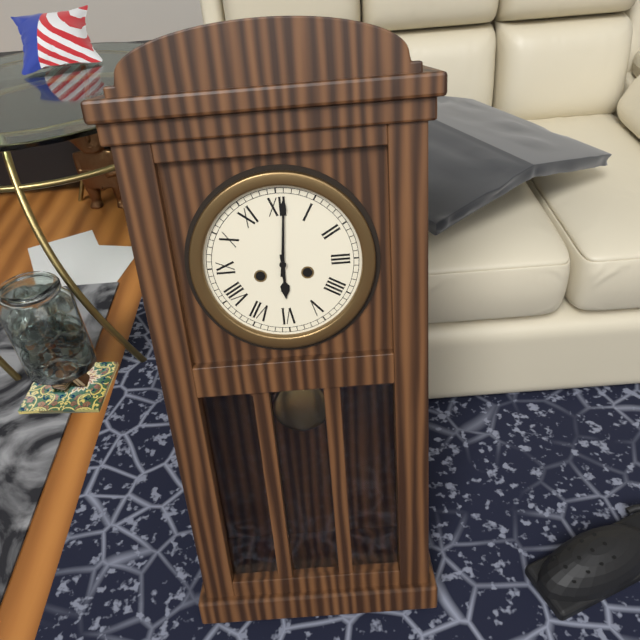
6.01
